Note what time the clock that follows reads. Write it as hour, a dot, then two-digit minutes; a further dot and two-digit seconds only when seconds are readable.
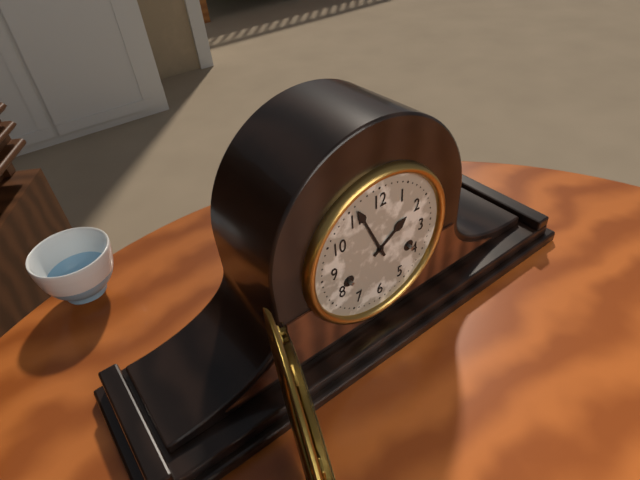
1.56
